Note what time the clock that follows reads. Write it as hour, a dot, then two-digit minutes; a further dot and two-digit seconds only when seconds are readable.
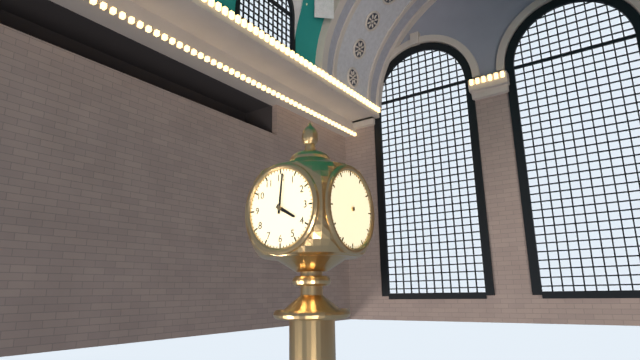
4.01
